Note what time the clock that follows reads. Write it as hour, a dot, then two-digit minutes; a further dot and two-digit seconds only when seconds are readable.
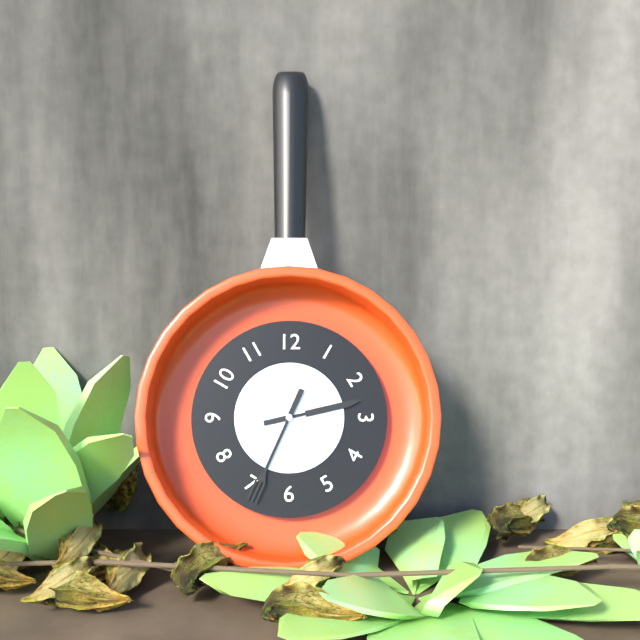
2.34
